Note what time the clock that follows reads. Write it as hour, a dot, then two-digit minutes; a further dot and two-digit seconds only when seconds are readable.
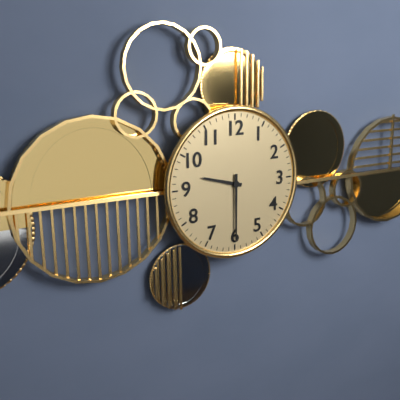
9.30
